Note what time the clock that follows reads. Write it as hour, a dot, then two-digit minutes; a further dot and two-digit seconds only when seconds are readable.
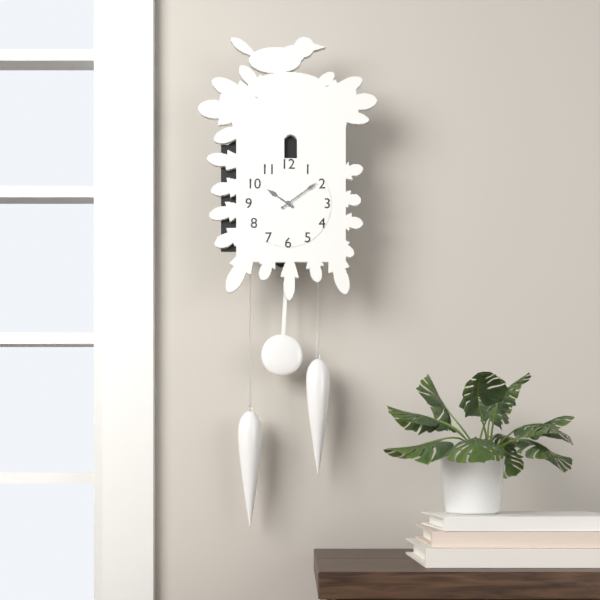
10.09
